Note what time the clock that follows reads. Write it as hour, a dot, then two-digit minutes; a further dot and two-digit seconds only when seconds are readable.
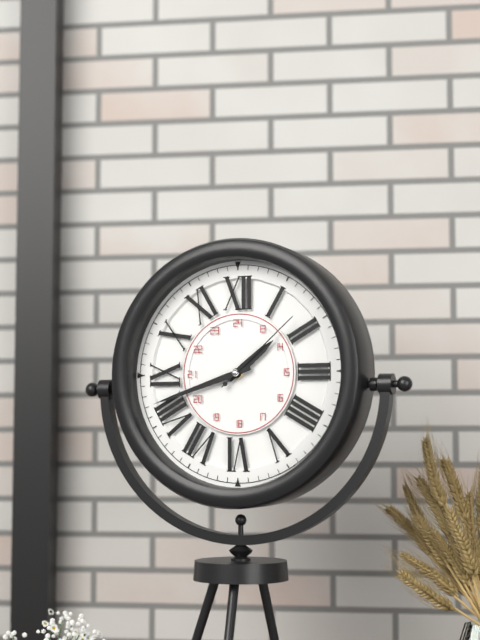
1.42.08
